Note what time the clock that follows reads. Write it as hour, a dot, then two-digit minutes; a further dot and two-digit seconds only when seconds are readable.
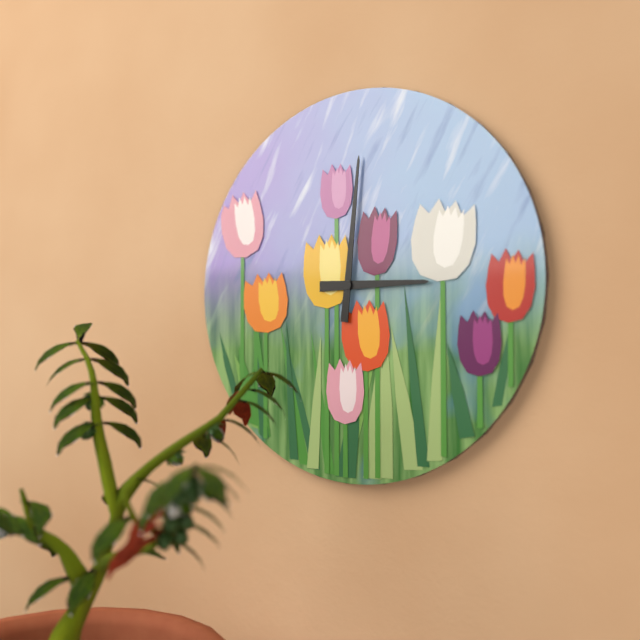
3.01
